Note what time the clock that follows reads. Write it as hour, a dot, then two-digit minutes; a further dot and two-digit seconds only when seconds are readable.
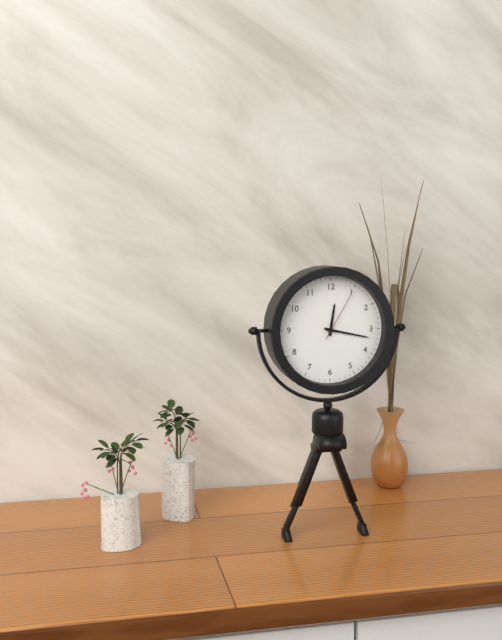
12.17.05
